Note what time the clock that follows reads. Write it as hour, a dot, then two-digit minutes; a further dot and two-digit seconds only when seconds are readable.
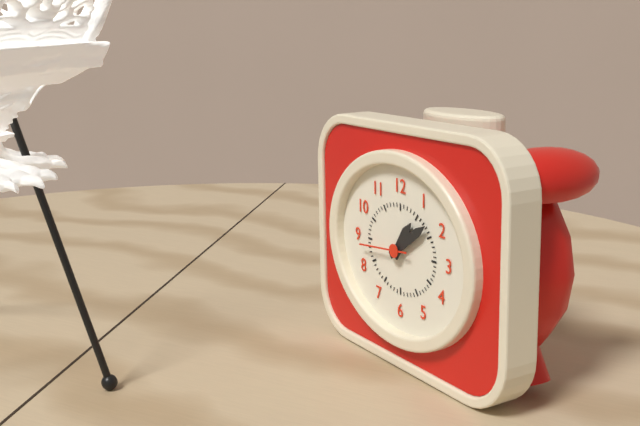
1.09
